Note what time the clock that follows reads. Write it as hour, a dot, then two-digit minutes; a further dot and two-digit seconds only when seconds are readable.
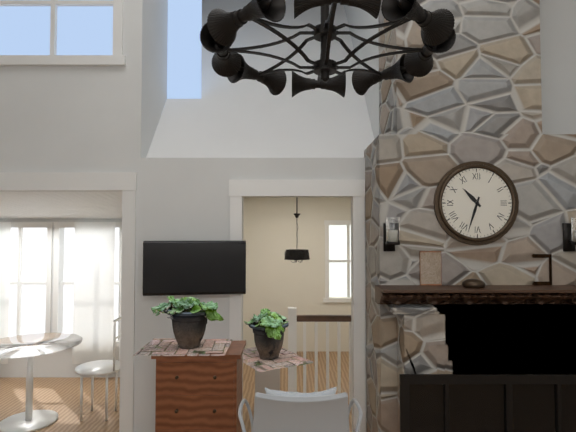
10.33
